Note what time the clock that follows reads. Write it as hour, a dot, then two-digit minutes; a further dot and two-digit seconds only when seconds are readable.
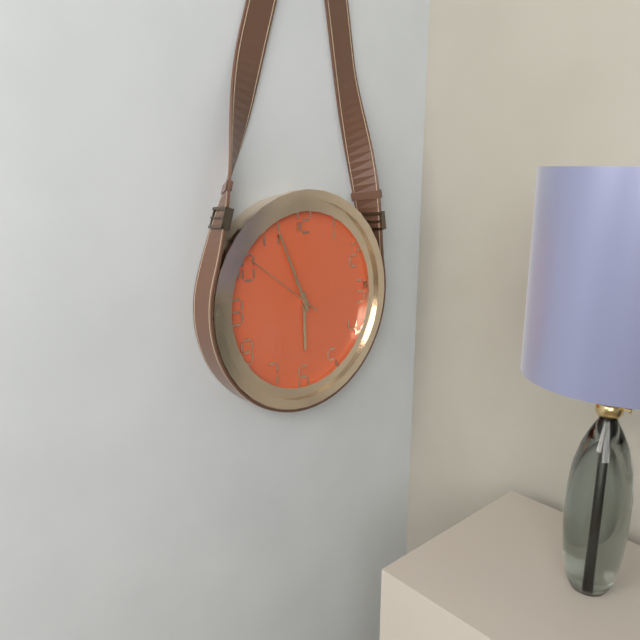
5.56.51
